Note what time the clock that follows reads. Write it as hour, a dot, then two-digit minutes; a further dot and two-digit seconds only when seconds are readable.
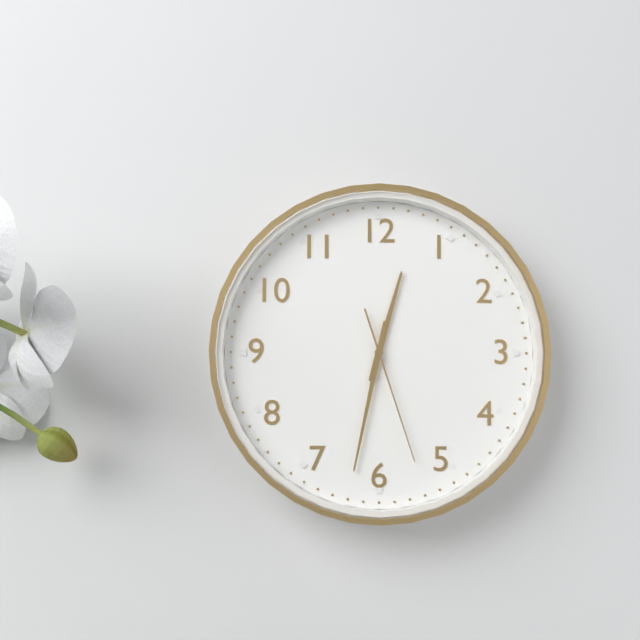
12.32.27
